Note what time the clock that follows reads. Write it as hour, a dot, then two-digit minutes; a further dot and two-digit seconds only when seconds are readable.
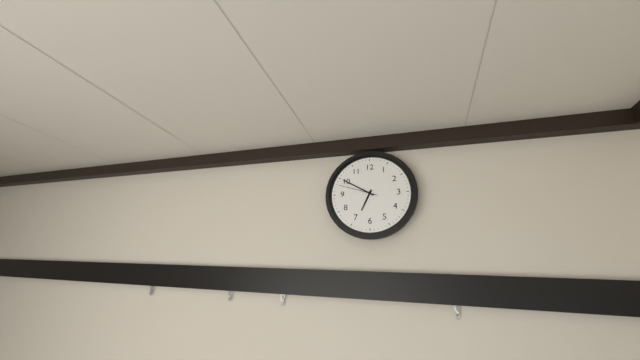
6.50
